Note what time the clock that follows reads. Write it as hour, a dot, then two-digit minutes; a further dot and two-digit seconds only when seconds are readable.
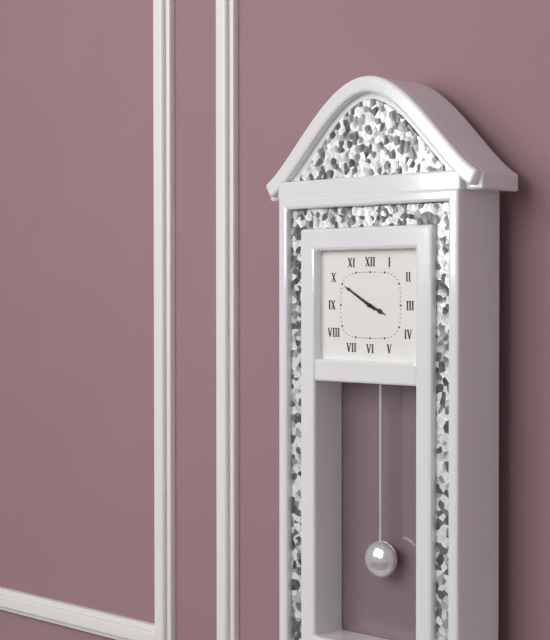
3.50
